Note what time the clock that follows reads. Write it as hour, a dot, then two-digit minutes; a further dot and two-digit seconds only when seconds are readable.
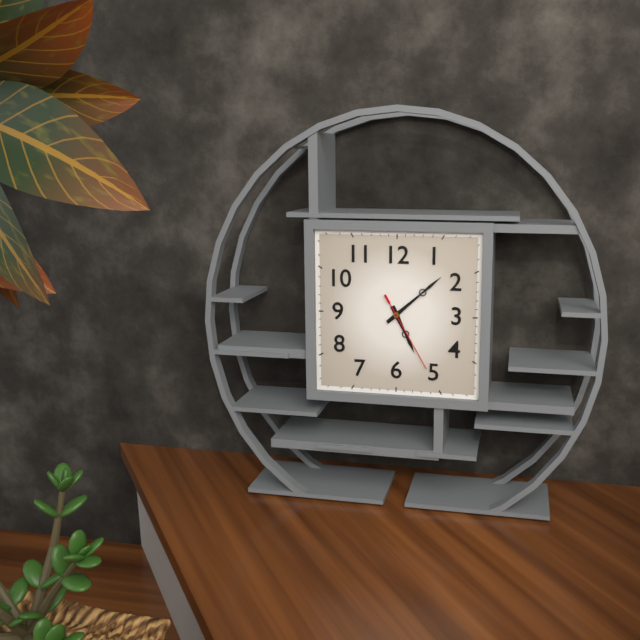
5.08.25
